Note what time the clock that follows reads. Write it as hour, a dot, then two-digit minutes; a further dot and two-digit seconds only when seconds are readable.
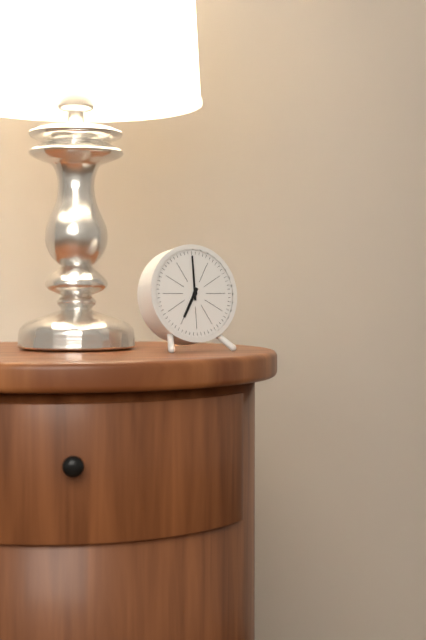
7.00
